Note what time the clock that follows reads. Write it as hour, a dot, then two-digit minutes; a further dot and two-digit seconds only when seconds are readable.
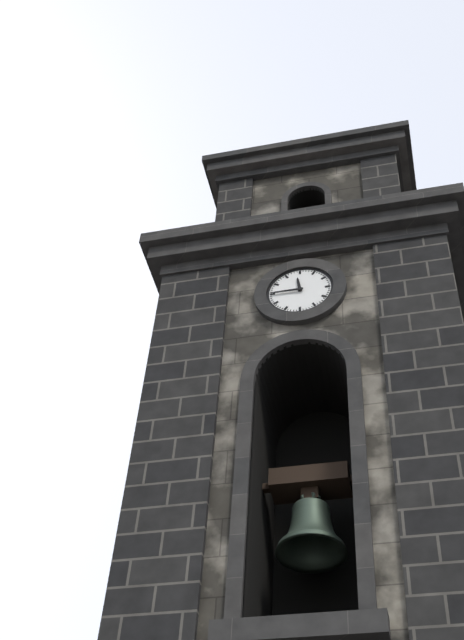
11.45
